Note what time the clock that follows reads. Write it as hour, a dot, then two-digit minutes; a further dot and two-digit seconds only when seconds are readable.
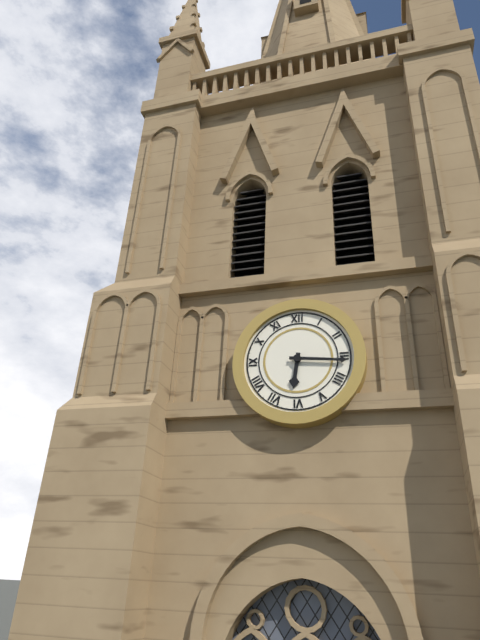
6.16
